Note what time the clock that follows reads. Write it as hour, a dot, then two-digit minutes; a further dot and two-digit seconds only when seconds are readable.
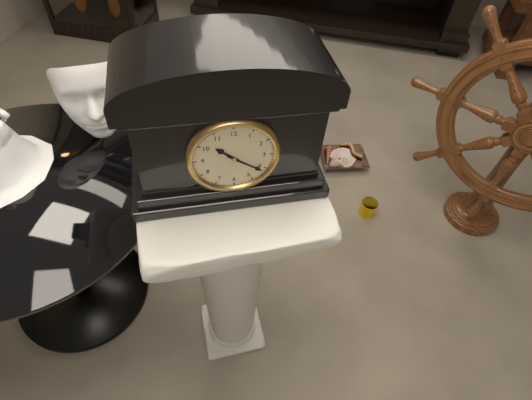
10.21
